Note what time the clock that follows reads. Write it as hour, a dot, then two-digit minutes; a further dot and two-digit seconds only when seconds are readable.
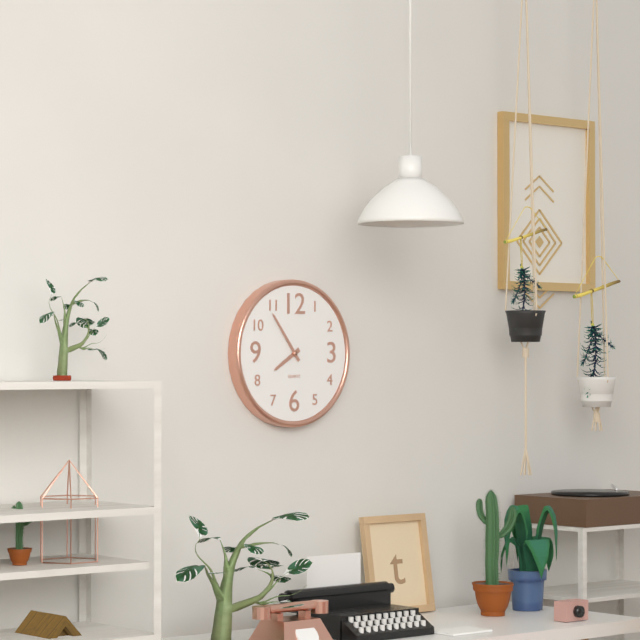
7.54
